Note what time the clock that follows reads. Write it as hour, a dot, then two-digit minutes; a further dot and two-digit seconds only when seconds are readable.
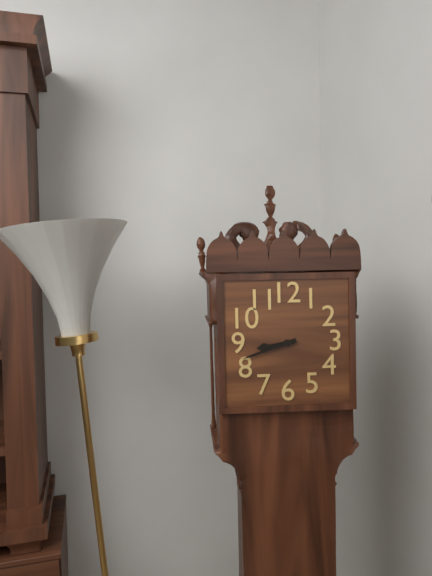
8.42
